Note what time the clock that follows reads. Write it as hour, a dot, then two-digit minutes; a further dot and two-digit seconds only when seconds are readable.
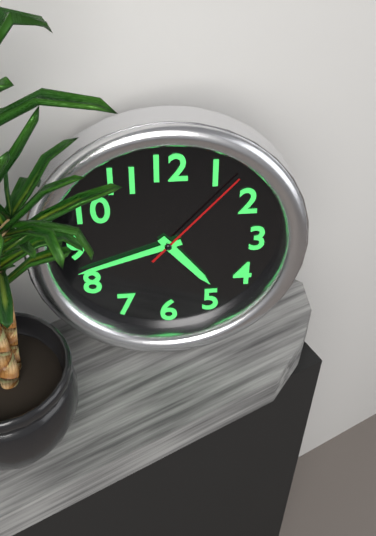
4.42.07
